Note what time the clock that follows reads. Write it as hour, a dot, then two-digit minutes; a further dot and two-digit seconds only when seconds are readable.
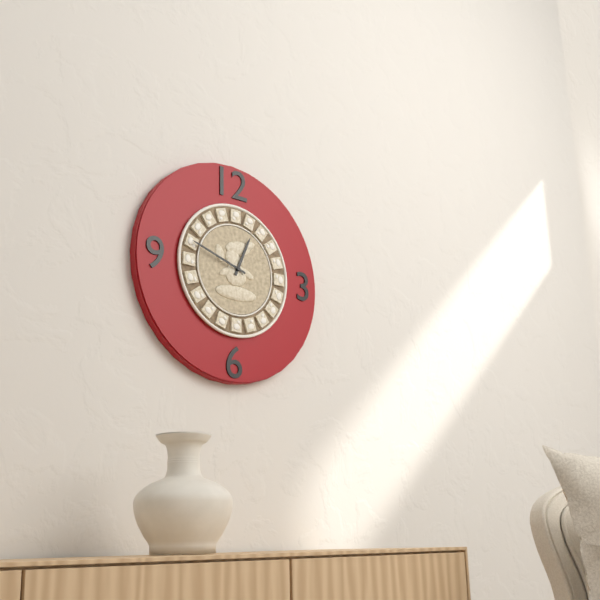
12.48
